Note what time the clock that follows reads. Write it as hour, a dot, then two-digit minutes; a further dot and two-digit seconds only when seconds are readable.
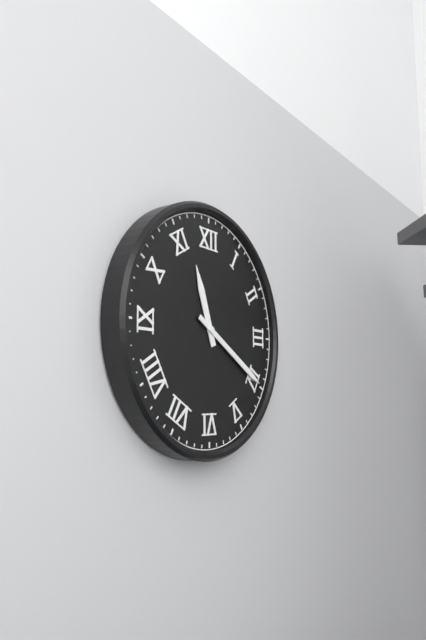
11.20
